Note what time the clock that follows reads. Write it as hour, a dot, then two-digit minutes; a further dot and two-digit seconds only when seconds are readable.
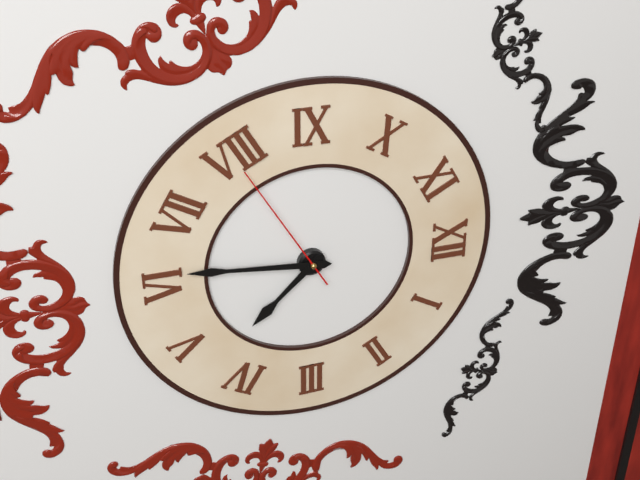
4.31.40
